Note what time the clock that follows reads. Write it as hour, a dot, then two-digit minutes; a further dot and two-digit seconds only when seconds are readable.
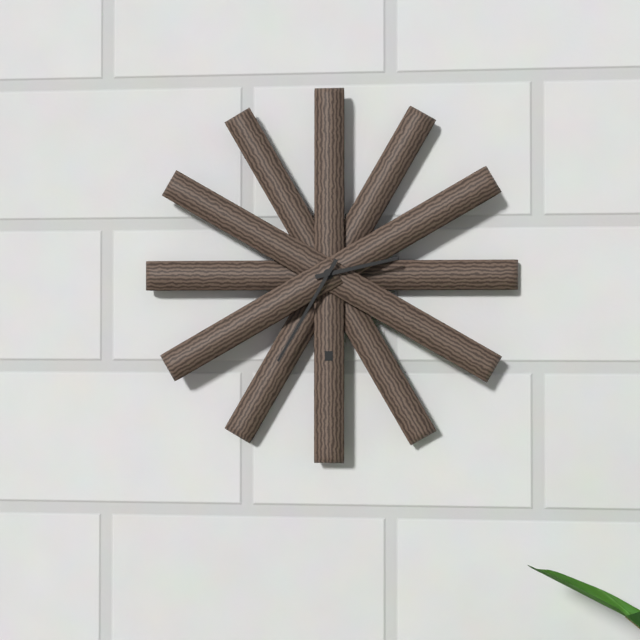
2.35
